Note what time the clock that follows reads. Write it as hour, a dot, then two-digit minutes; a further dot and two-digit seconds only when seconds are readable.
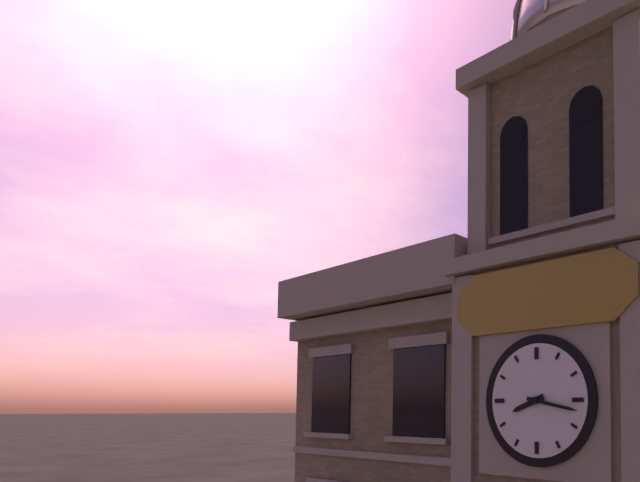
8.17
